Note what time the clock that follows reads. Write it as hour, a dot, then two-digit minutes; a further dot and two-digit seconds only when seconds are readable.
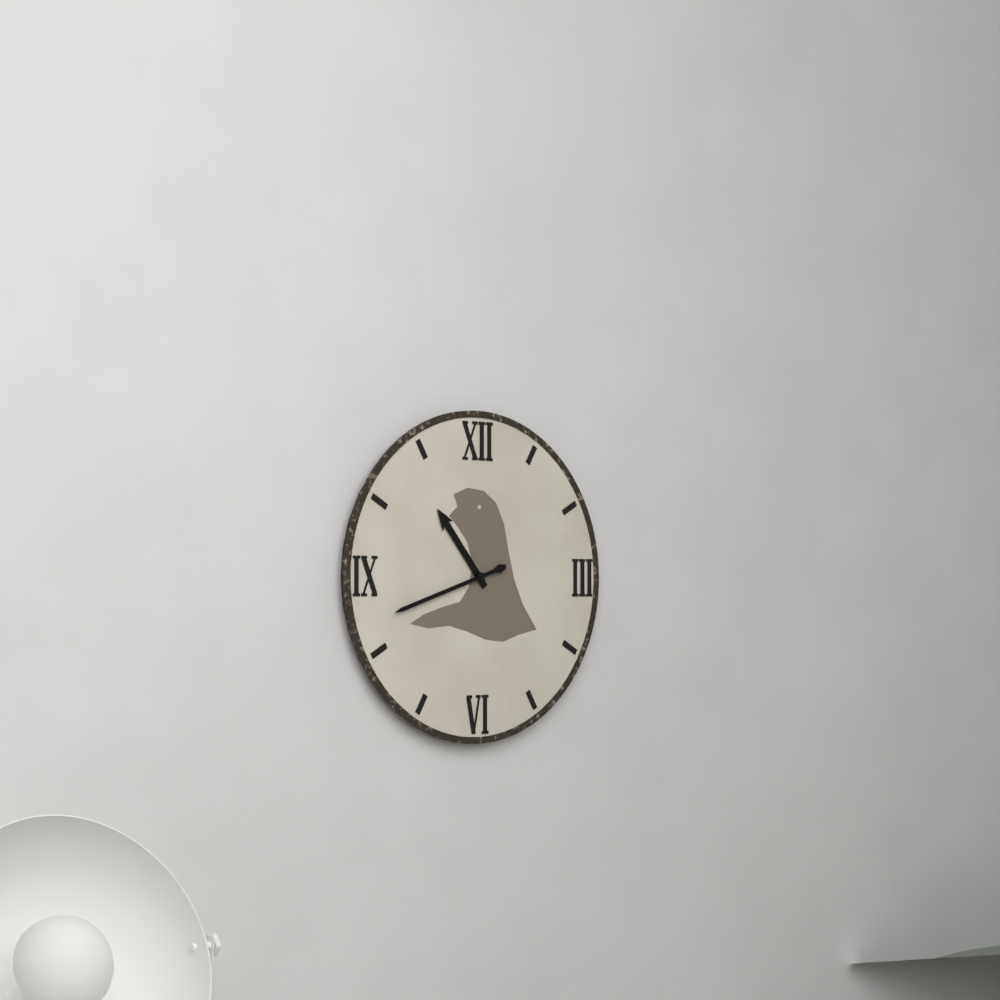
10.42
